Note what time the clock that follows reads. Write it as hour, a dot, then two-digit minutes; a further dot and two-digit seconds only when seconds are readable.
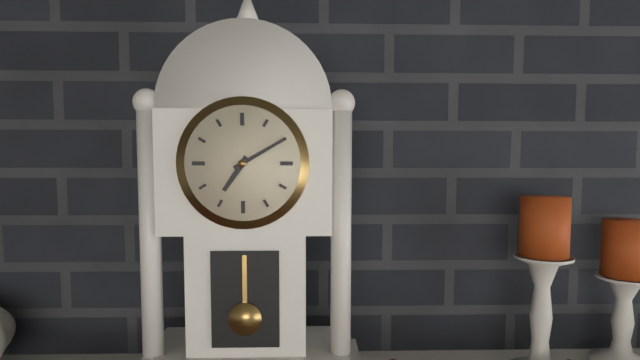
7.10
